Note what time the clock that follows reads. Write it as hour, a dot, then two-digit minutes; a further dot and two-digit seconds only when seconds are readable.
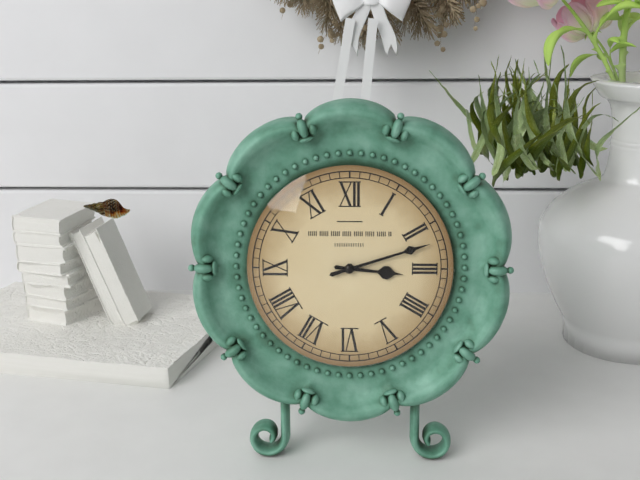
3.12
